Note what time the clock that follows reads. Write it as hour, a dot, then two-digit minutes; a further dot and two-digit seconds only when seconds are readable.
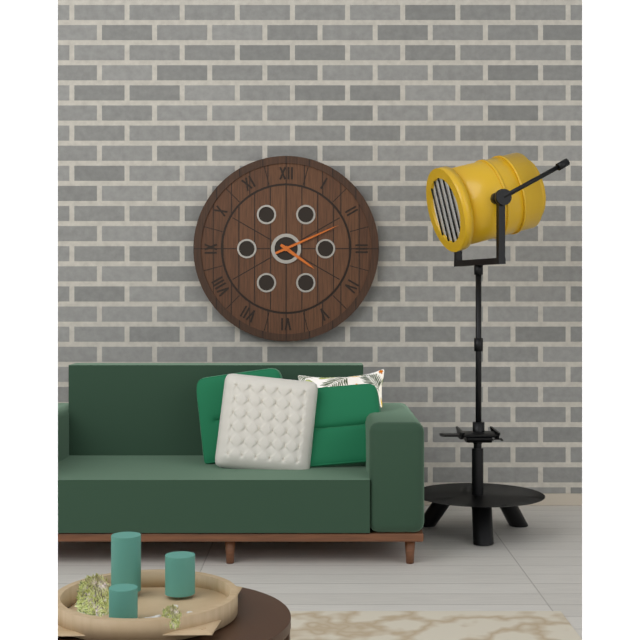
4.11
